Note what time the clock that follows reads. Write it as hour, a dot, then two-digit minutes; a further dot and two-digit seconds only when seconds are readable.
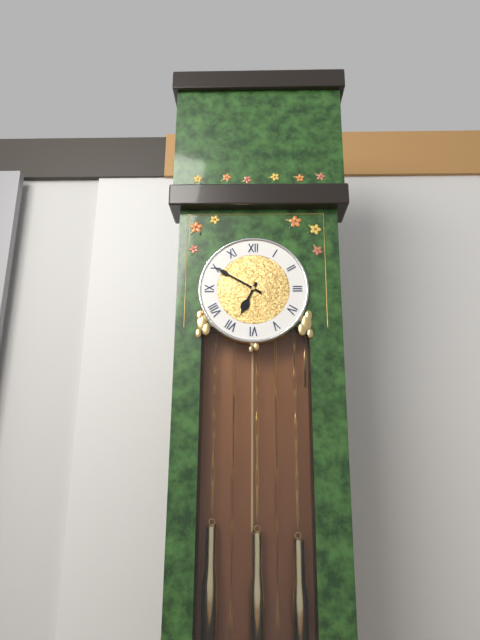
6.50
